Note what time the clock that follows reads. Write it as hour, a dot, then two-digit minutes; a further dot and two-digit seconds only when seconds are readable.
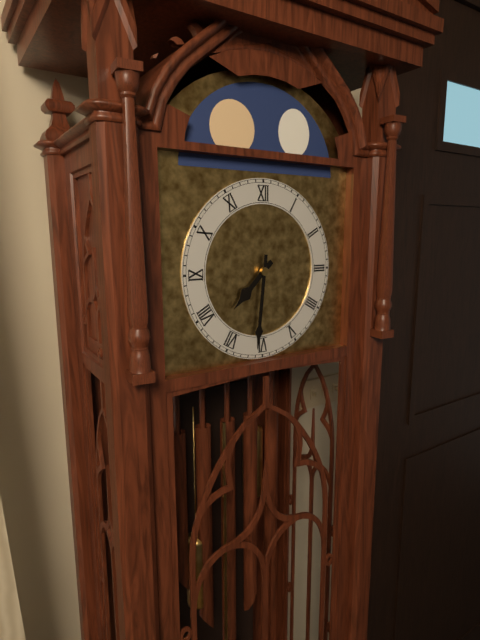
7.31
